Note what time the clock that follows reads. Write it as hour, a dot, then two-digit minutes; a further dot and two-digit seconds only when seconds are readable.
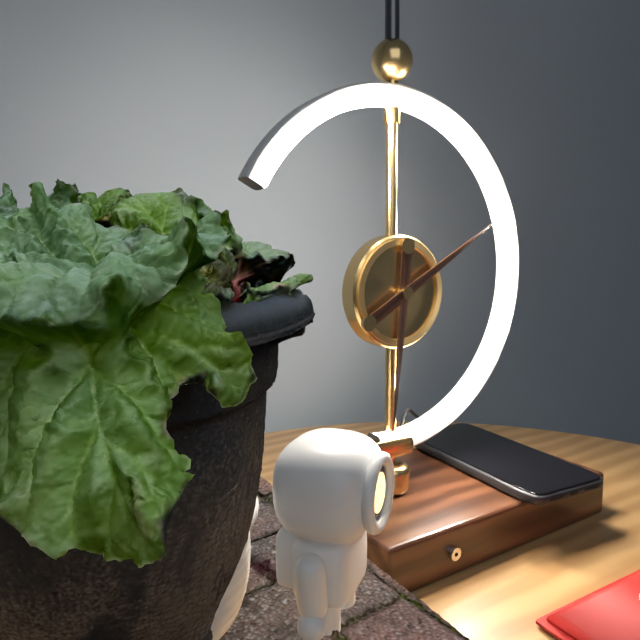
6.10
